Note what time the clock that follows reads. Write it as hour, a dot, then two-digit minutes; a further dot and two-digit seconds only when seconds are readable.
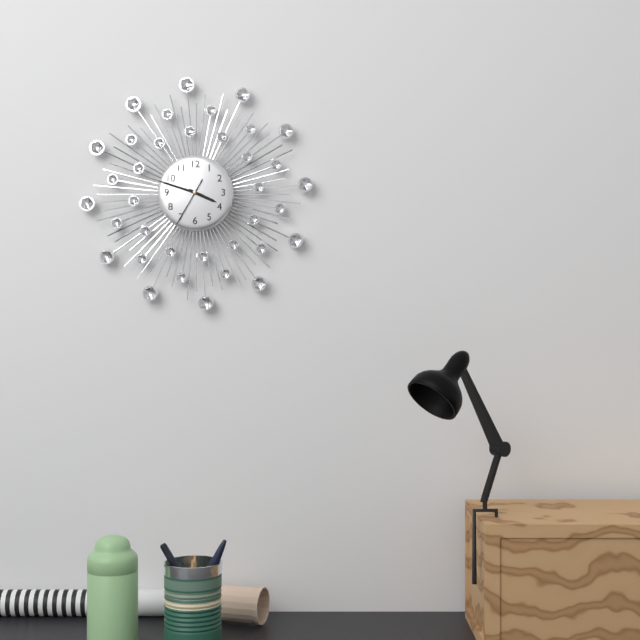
3.48.35
